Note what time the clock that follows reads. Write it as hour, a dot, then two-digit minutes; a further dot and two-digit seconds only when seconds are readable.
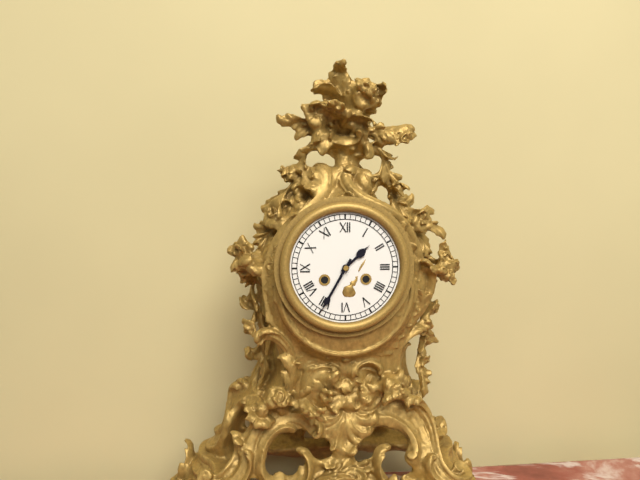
1.35
